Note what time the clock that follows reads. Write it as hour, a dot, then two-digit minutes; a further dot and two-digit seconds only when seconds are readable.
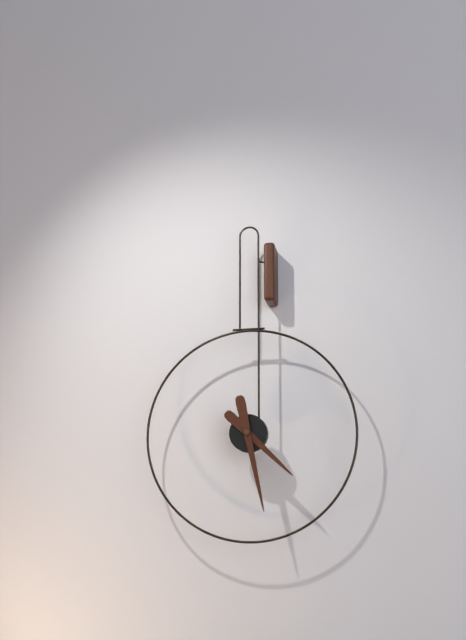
4.28
